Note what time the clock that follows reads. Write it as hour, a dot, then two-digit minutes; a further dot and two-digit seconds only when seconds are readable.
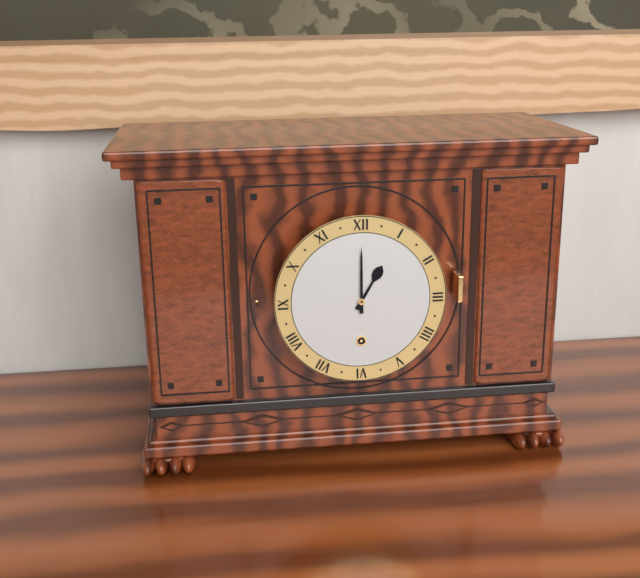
1.00
